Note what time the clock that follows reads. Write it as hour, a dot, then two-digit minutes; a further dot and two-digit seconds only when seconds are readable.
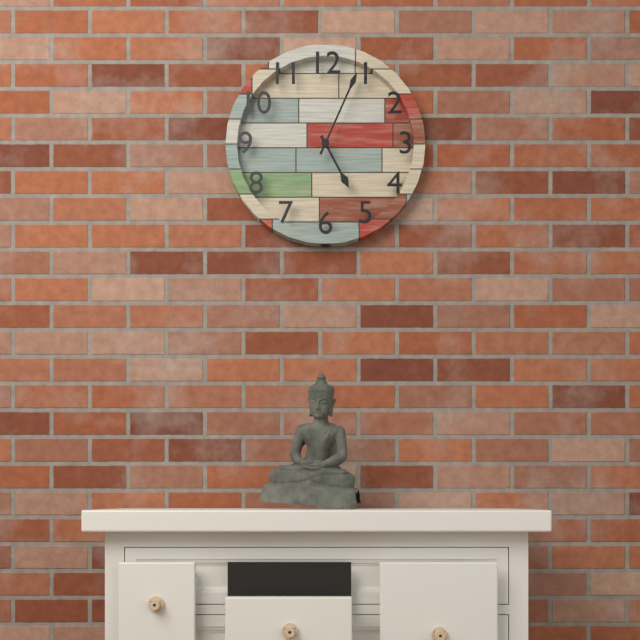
5.04
